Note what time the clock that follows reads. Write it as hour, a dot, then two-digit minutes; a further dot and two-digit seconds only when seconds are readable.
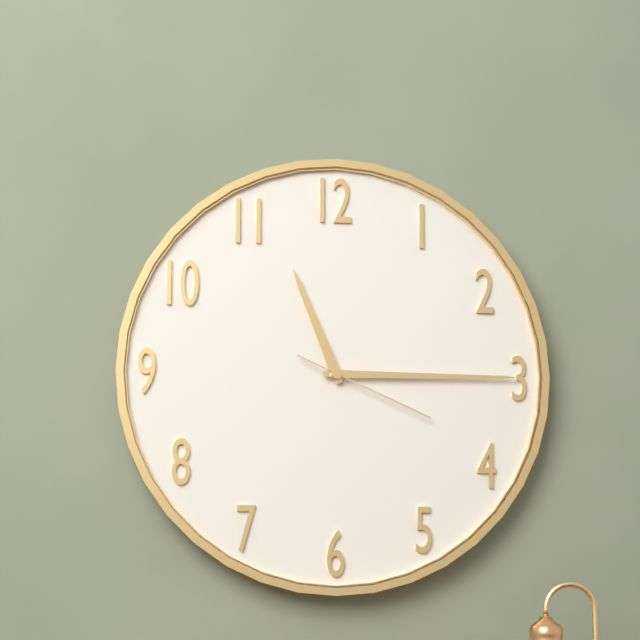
11.15.19
